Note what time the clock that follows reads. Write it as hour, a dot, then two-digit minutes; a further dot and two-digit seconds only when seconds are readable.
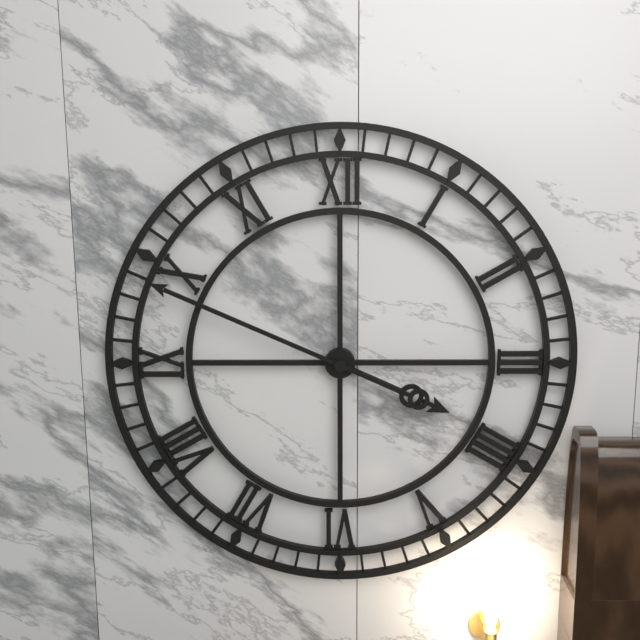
3.49
